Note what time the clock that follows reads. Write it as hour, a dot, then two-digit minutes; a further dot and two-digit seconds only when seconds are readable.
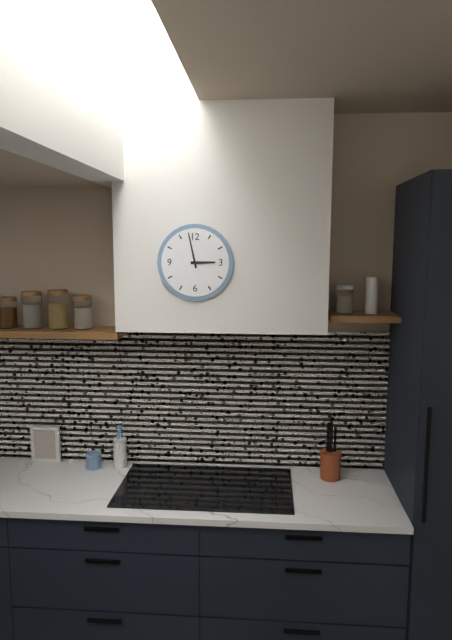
2.58
